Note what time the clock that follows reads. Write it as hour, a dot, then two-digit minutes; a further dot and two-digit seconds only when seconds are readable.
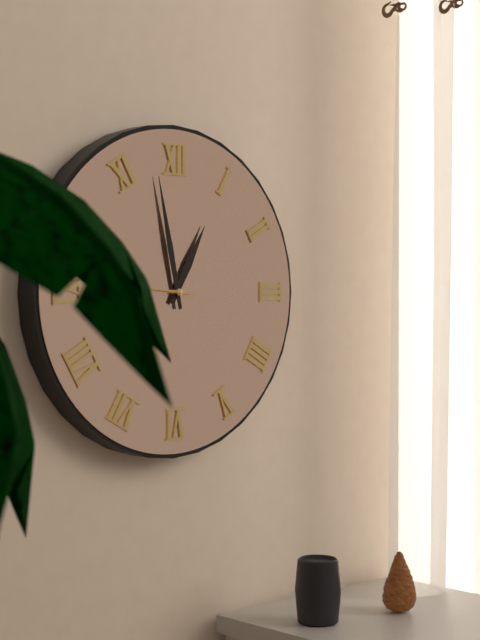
12.58
